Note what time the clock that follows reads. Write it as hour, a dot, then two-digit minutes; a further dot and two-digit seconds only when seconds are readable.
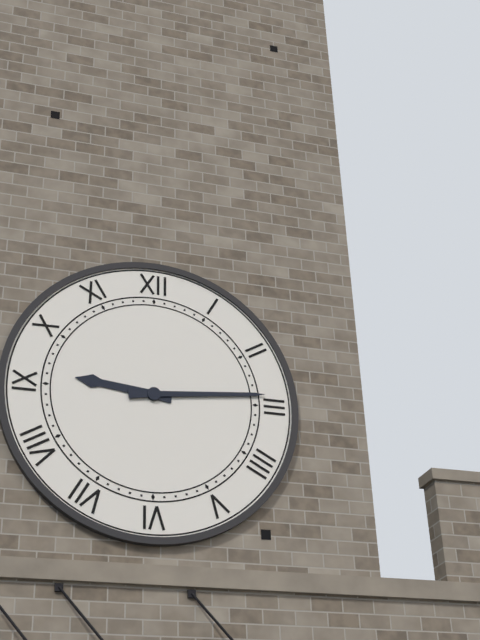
9.14
